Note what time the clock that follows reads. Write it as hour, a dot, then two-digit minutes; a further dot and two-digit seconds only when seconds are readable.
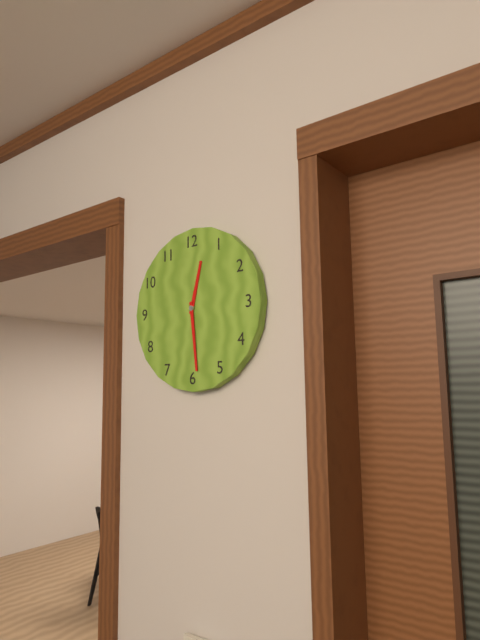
12.29
